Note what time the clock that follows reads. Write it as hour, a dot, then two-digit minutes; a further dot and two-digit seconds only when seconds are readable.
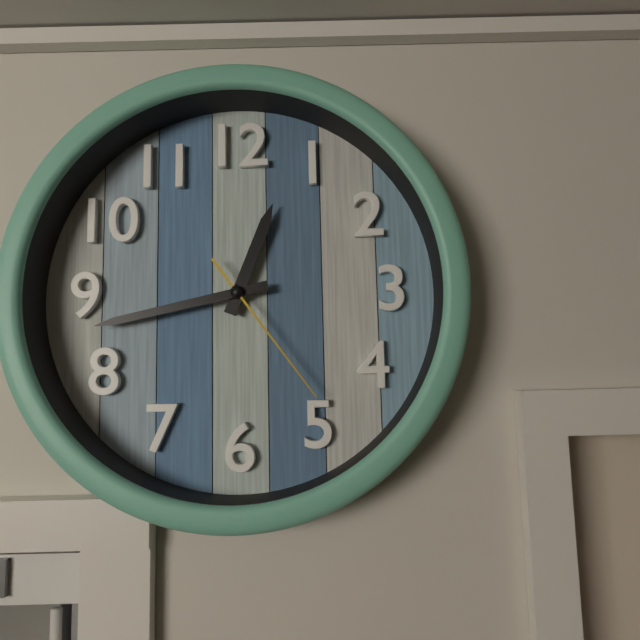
12.43.24
